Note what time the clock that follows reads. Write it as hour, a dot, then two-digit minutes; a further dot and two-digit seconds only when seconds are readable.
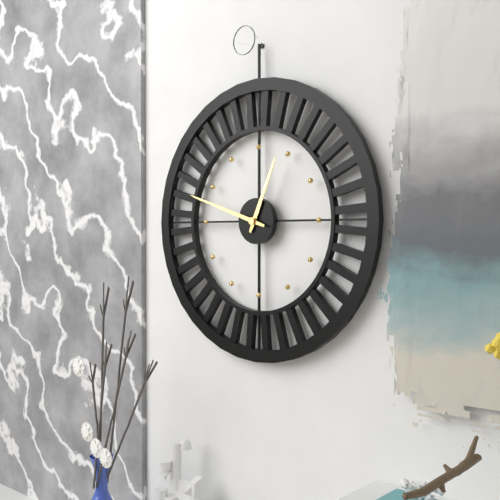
12.48
